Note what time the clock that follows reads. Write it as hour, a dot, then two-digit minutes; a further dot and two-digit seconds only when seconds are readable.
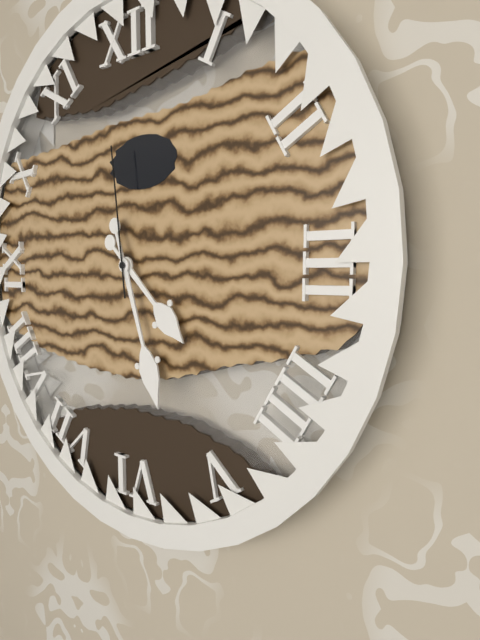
4.27.59
